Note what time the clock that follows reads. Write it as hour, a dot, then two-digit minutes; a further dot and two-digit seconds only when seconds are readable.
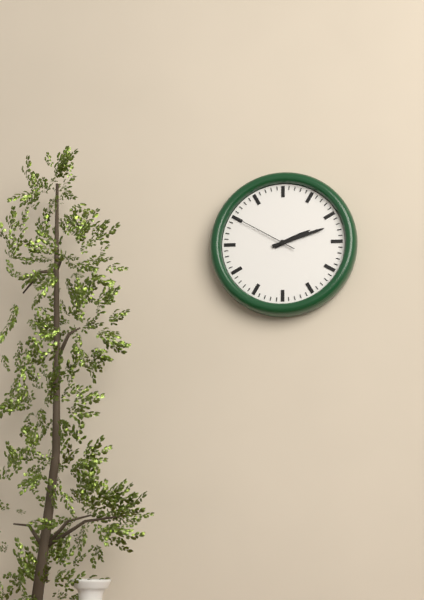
2.12.50
